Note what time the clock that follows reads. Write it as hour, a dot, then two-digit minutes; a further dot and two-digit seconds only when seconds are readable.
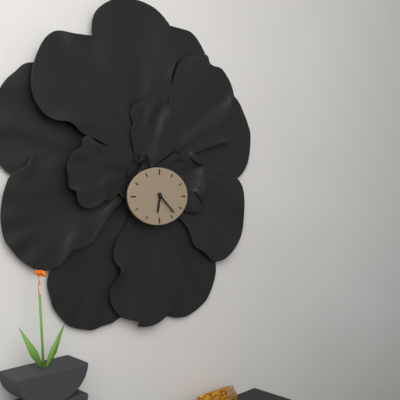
6.22
